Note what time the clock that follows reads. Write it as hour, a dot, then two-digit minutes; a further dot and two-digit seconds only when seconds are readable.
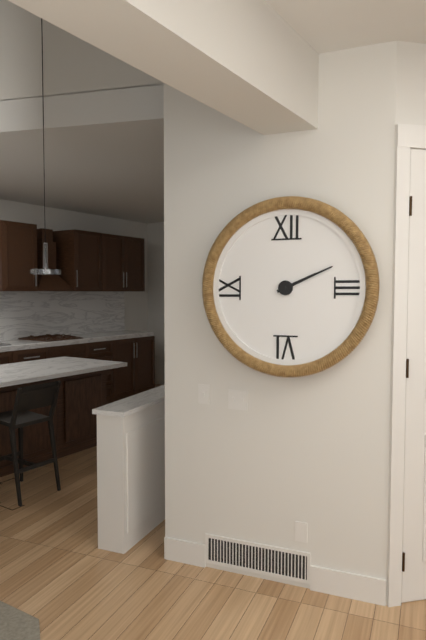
2.11
